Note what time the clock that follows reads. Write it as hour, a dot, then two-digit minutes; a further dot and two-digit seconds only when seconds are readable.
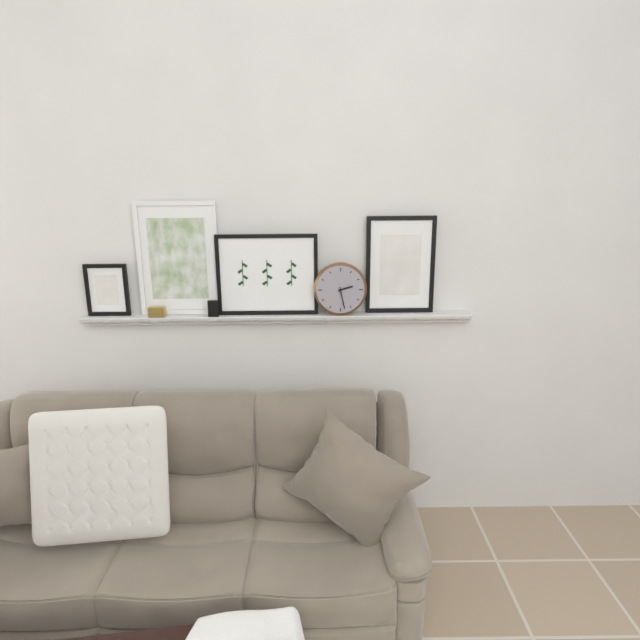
2.28
